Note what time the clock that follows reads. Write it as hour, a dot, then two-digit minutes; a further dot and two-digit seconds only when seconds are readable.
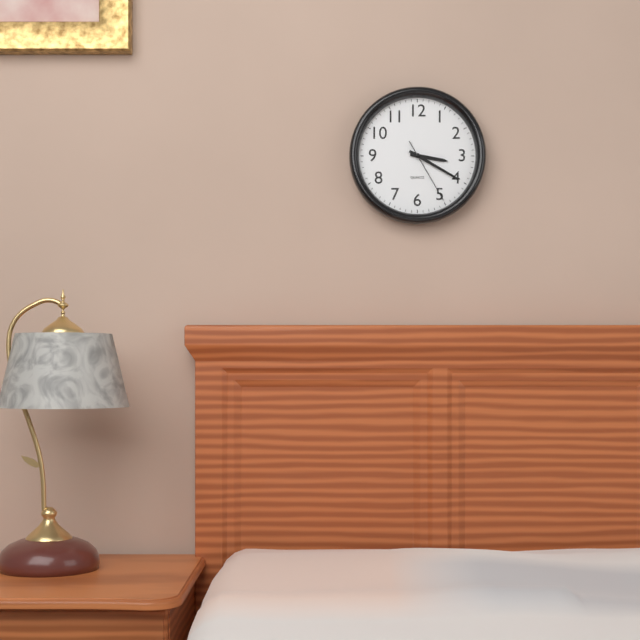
3.20.25
